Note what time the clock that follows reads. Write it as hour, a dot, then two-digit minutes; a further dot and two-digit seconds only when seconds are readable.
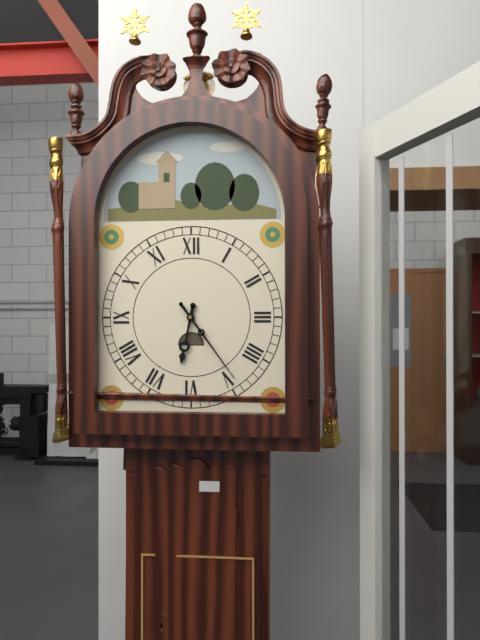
6.24
